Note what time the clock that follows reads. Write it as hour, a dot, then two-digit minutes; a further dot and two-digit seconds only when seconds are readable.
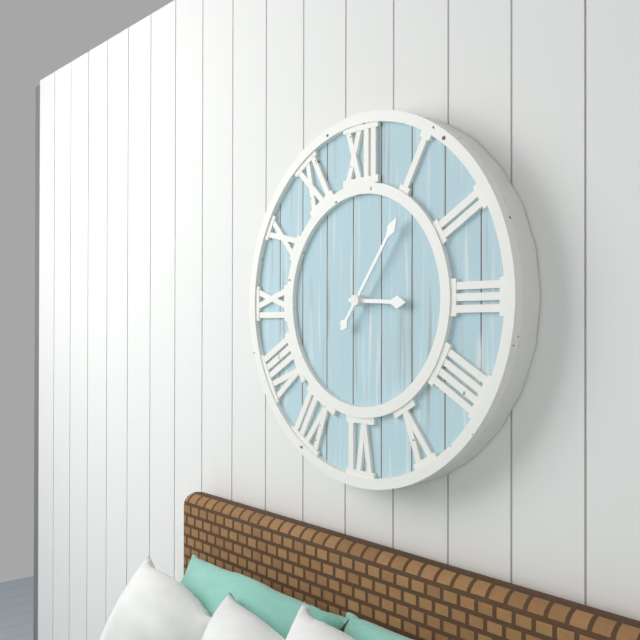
3.06
